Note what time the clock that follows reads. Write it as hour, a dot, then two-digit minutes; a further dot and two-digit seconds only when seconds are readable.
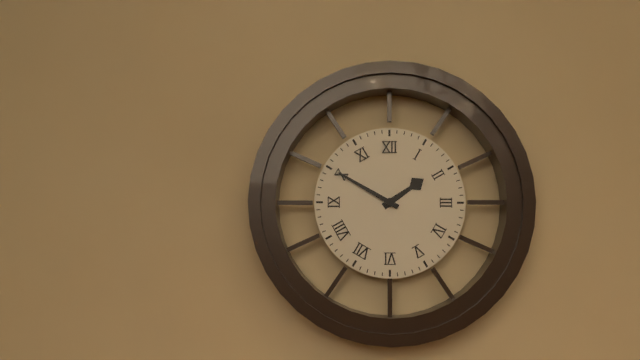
1.50
